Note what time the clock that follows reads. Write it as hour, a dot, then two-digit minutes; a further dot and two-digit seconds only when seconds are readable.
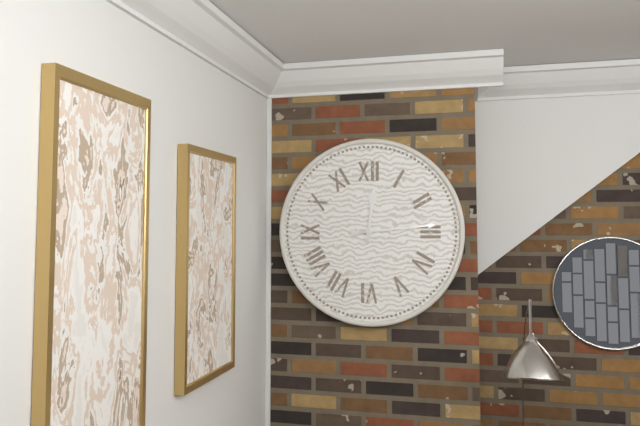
12.14
